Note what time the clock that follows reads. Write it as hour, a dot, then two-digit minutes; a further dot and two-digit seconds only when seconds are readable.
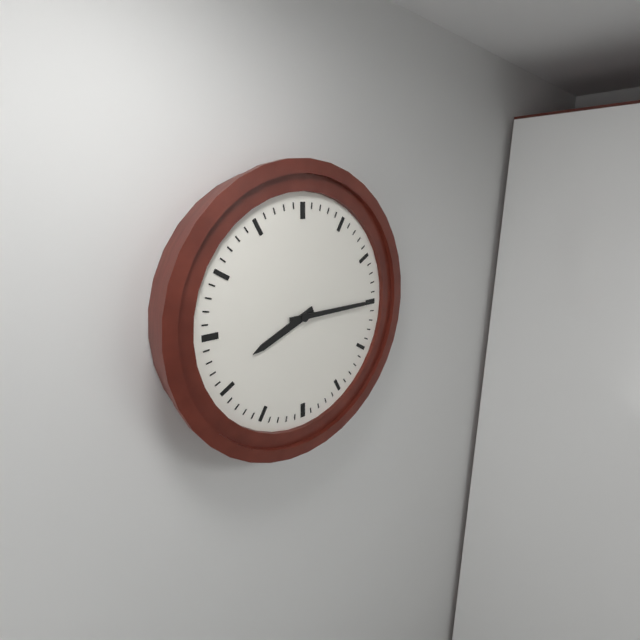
8.15
